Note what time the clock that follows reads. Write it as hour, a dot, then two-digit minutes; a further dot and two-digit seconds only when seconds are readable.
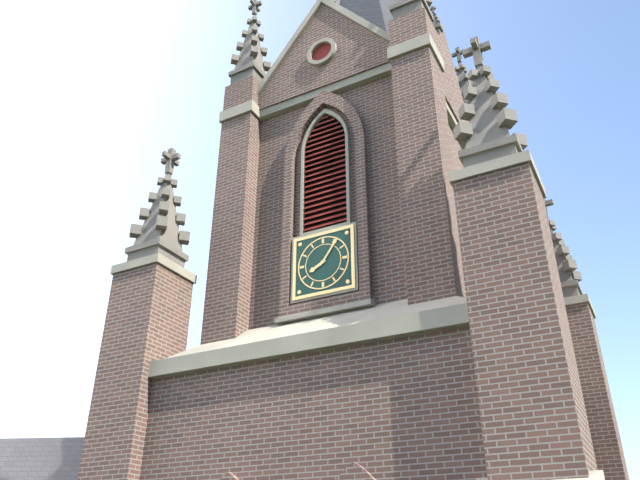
8.06
